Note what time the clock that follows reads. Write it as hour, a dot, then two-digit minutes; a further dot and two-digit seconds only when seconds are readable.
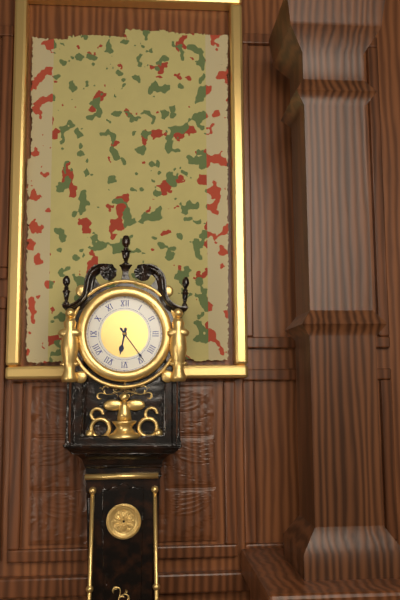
6.24
